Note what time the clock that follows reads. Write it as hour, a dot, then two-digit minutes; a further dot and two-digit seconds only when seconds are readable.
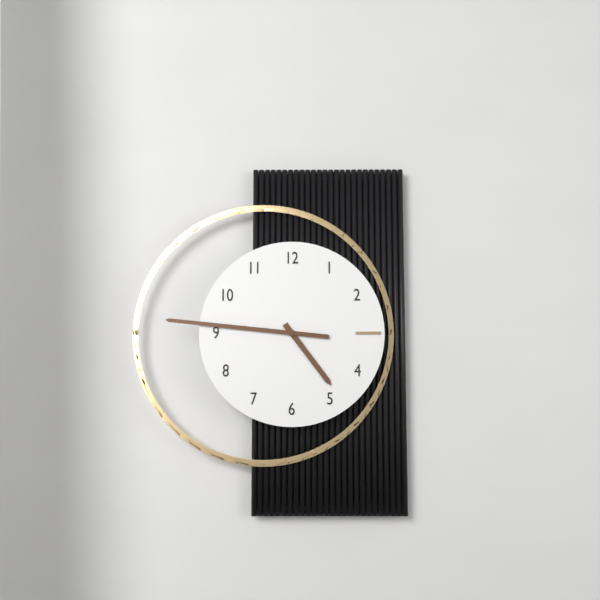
4.46
